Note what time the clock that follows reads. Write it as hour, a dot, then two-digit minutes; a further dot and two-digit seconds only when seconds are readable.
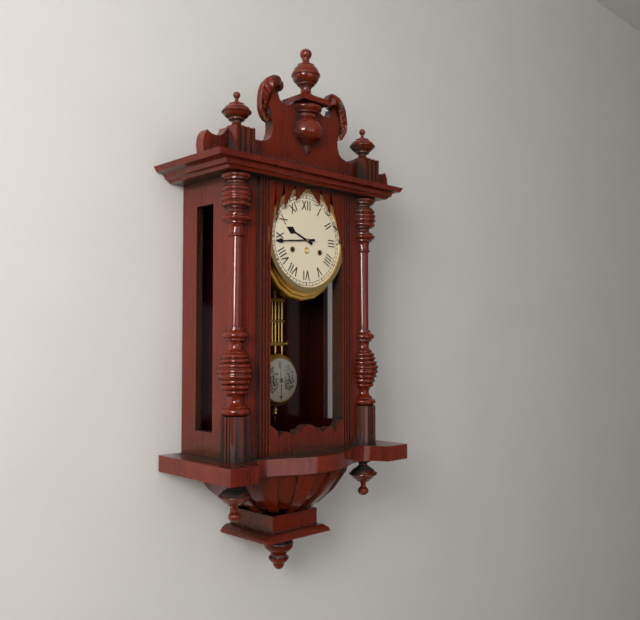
9.44
